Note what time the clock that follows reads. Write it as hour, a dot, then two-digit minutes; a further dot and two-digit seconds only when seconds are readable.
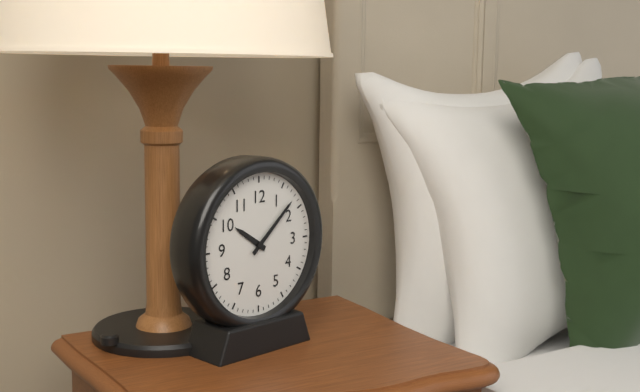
10.08
